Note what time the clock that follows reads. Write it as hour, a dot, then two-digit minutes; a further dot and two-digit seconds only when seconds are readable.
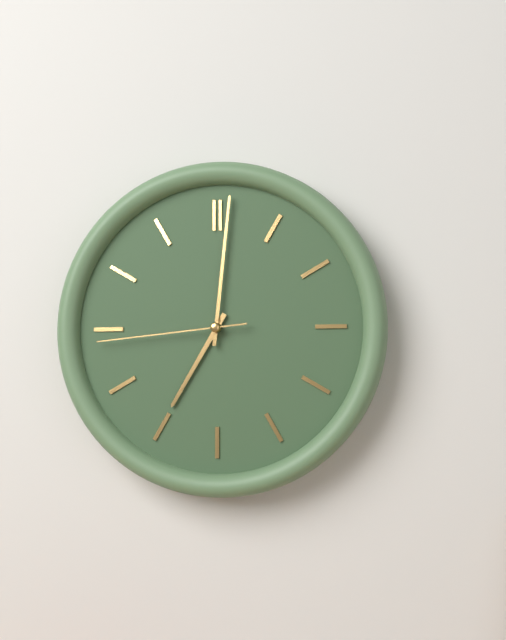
7.01.44
